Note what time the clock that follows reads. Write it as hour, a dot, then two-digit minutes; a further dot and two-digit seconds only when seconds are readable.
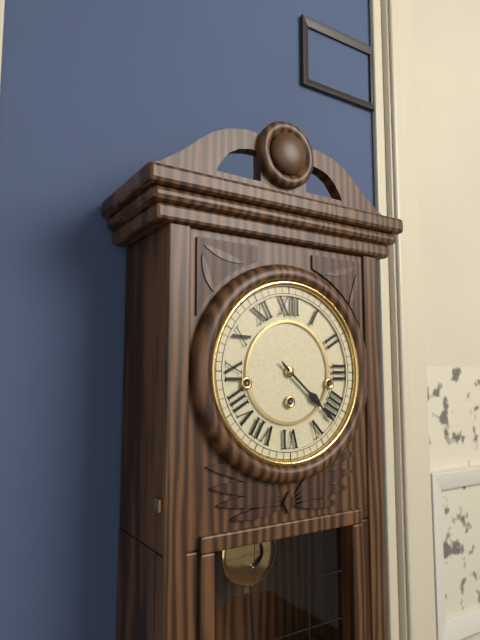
4.22
